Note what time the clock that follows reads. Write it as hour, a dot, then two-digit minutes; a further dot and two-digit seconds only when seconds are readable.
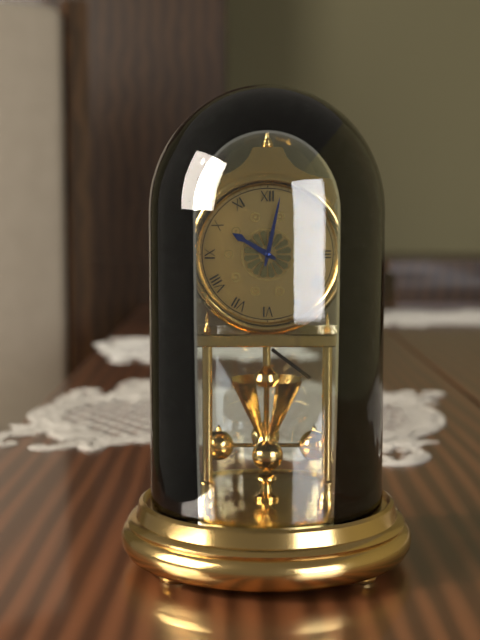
10.02
